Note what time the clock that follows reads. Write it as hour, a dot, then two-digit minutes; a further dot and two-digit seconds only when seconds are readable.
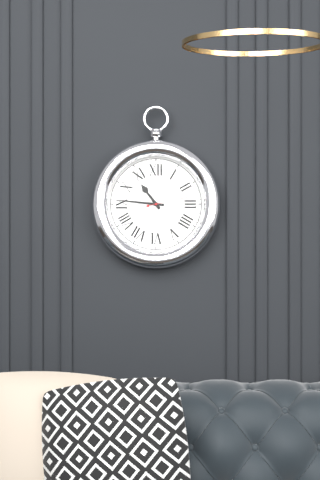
10.46.13
